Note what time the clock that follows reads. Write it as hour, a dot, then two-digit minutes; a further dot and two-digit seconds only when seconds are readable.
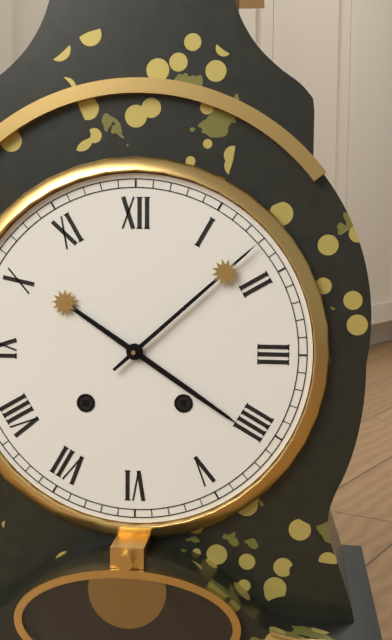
4.08
